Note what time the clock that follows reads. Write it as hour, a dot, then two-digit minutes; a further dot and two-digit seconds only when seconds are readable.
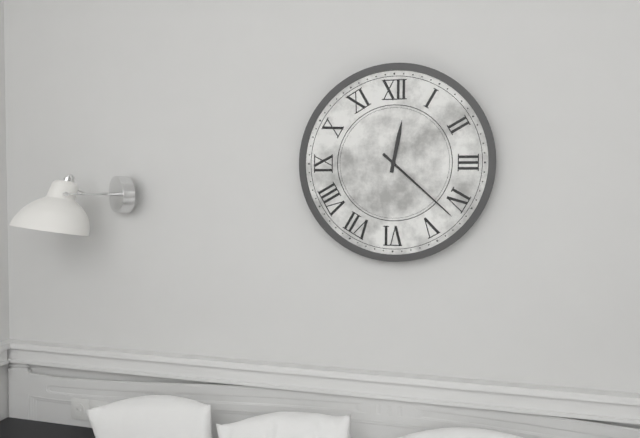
12.22
